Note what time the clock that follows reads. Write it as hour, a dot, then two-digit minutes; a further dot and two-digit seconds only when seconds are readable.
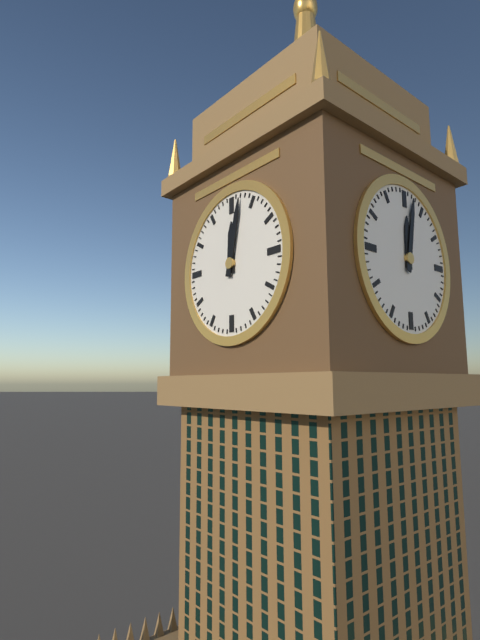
12.02
